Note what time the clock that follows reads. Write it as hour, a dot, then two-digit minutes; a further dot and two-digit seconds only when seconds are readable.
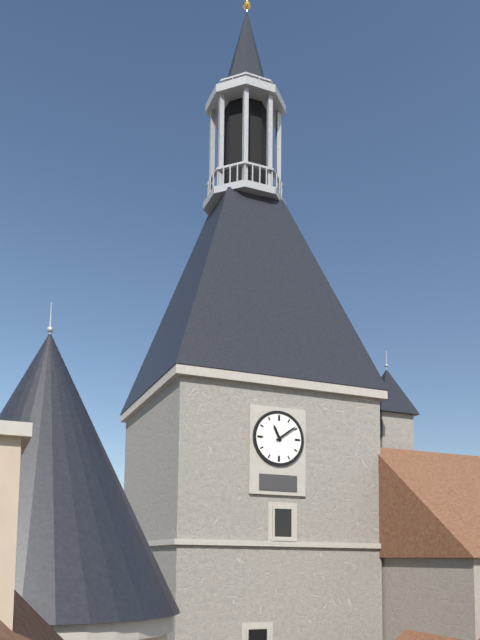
11.09
